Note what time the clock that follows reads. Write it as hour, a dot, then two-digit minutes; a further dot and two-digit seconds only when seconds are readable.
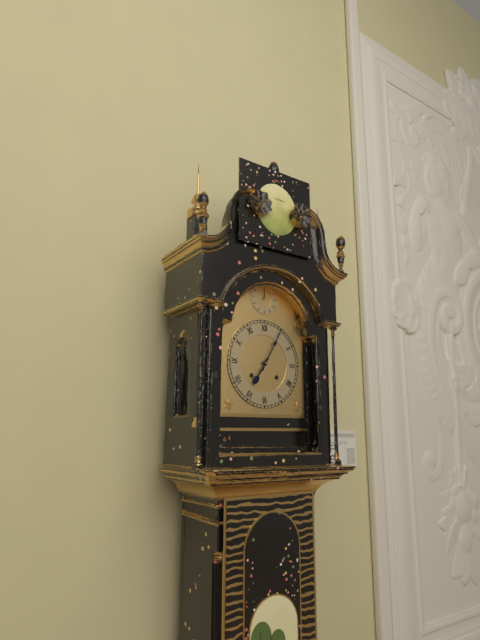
7.05
